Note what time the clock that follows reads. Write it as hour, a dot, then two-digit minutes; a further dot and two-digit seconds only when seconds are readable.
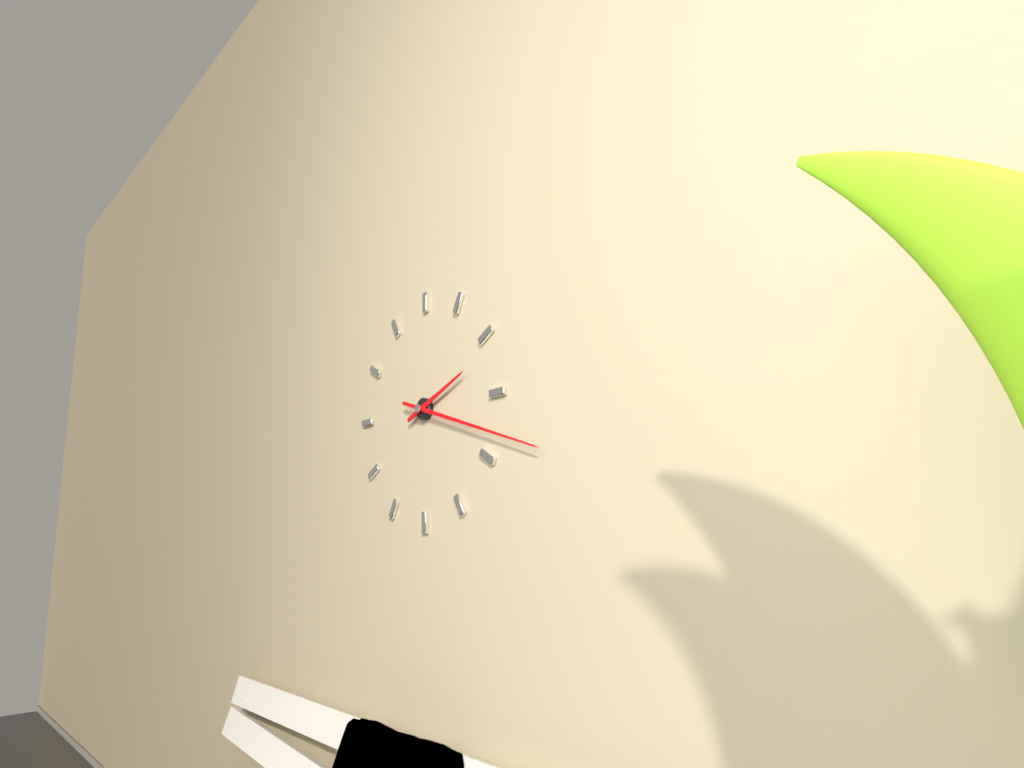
2.18
